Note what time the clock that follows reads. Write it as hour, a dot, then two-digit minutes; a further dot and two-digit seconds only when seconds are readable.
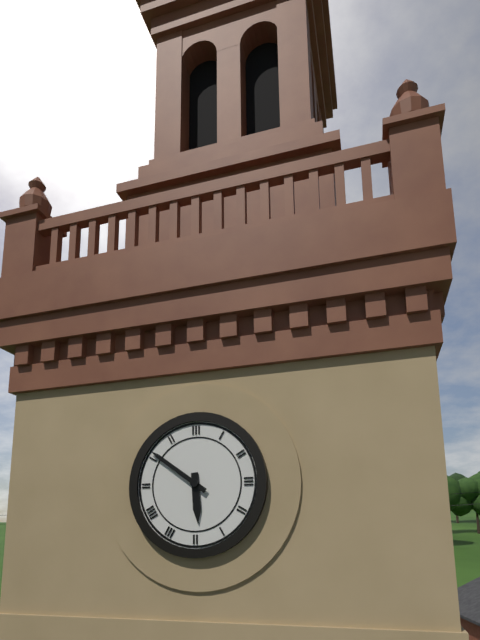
5.51
